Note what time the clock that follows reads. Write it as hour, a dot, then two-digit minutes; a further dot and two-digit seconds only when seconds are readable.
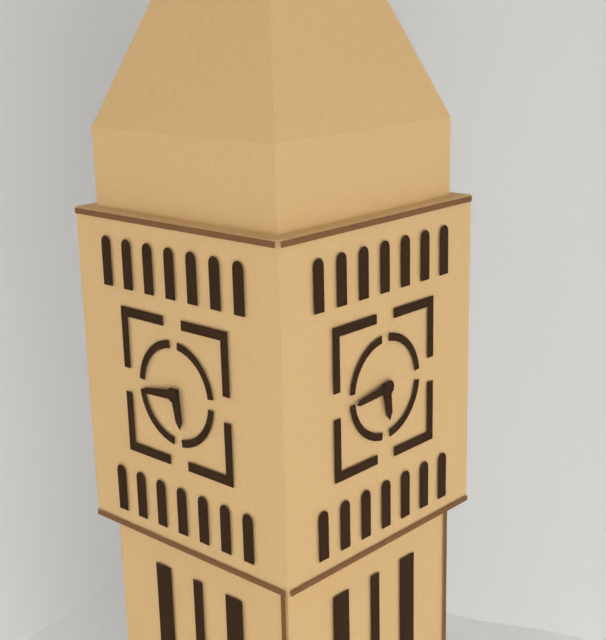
5.44
